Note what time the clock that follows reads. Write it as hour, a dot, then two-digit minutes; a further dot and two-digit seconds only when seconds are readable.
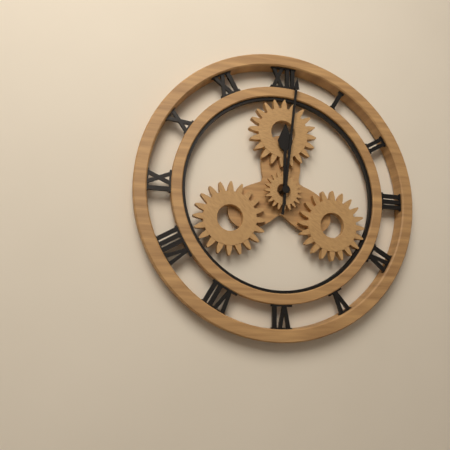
12.01
